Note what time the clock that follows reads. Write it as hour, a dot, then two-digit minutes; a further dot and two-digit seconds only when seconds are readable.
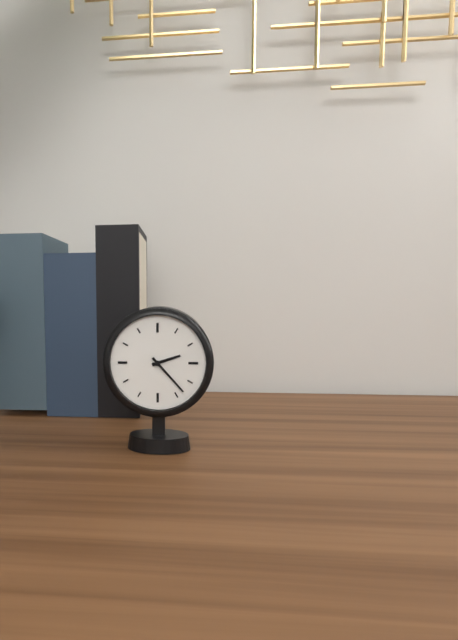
2.23
